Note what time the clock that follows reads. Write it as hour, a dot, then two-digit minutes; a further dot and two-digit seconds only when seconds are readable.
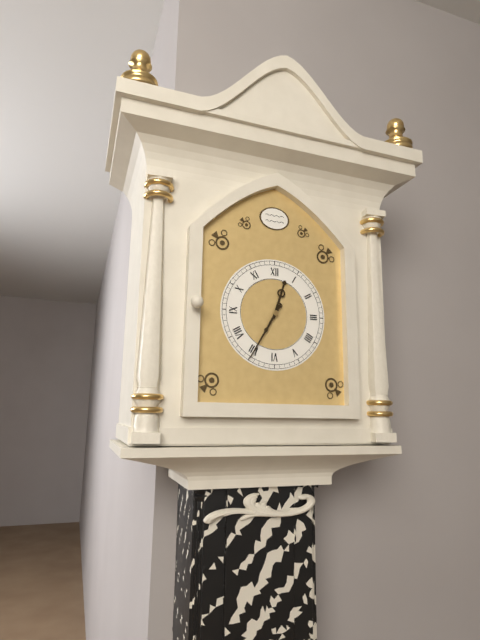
12.35
